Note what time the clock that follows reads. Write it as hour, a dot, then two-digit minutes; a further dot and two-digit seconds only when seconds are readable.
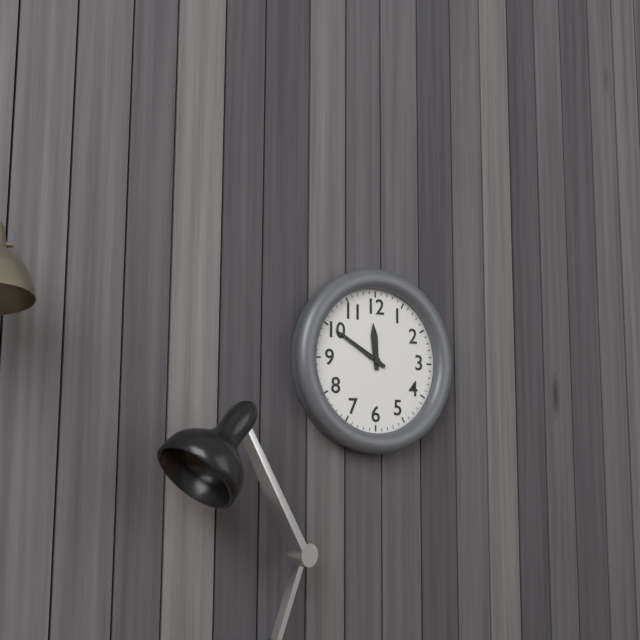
11.50
